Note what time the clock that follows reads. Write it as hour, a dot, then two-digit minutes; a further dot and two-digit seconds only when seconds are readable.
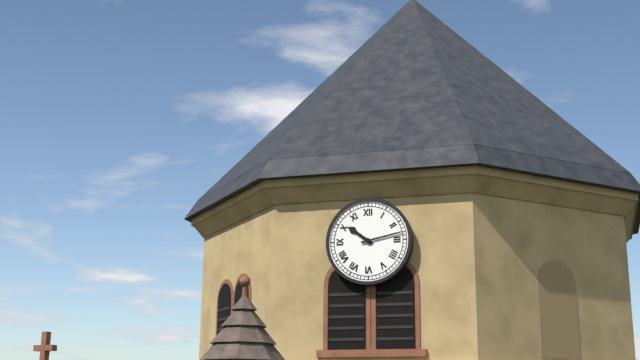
10.13
